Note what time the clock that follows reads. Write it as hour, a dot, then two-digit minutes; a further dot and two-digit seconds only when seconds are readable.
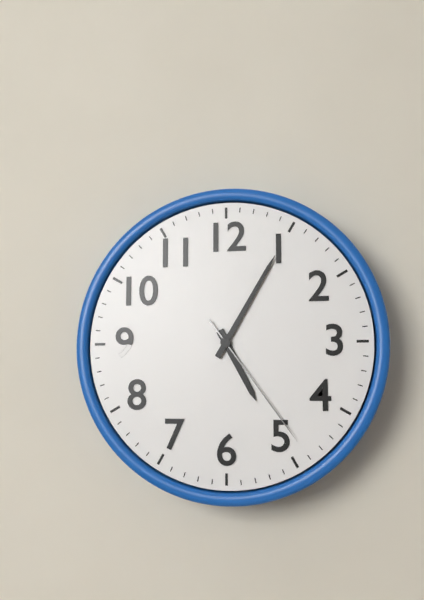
5.05.24
